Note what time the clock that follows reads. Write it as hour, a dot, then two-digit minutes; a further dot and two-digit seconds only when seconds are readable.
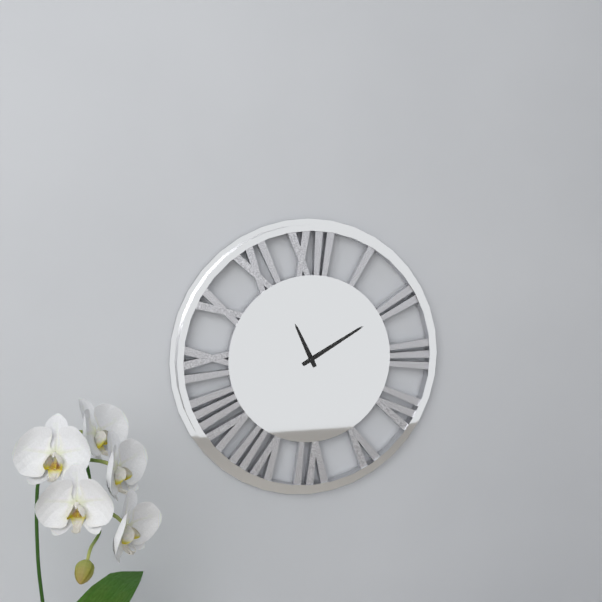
11.10
